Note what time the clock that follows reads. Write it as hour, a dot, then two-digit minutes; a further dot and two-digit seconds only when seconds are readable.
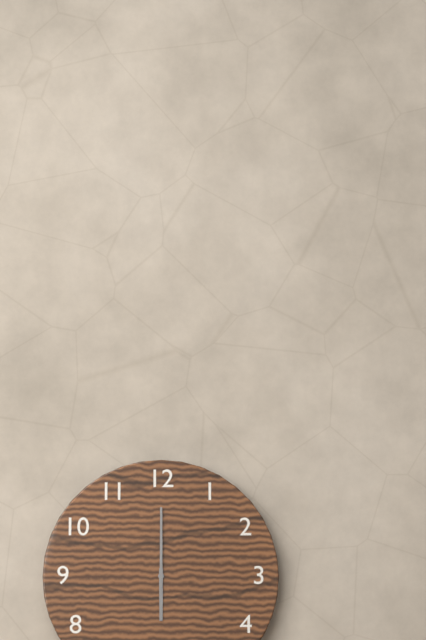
6.00
